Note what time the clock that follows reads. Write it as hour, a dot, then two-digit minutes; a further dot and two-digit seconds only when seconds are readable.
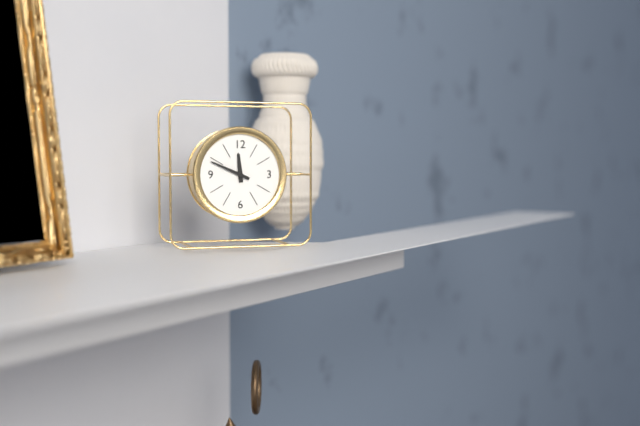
11.49
